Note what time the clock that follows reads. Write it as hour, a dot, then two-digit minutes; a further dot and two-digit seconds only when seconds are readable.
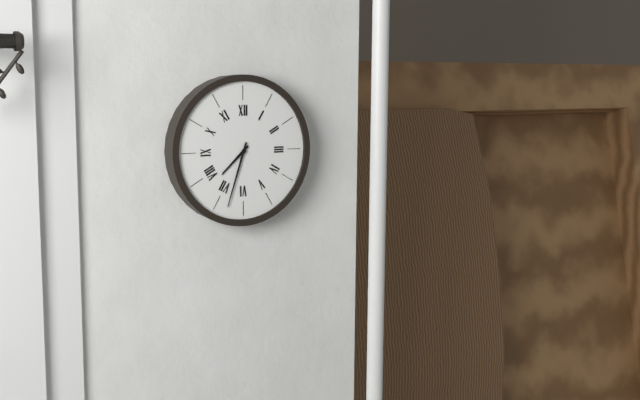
7.33
